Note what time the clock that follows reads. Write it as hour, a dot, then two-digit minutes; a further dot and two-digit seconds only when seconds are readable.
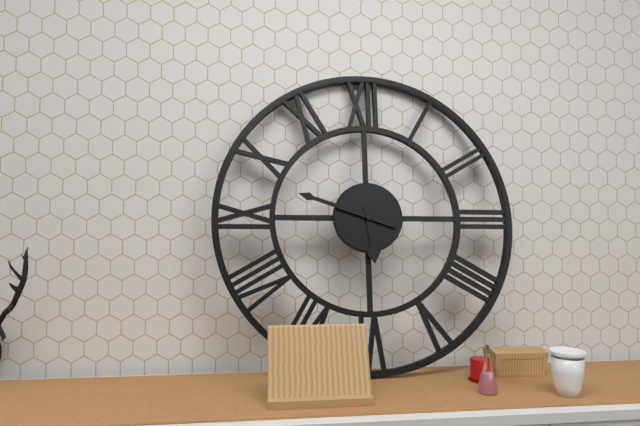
5.48
